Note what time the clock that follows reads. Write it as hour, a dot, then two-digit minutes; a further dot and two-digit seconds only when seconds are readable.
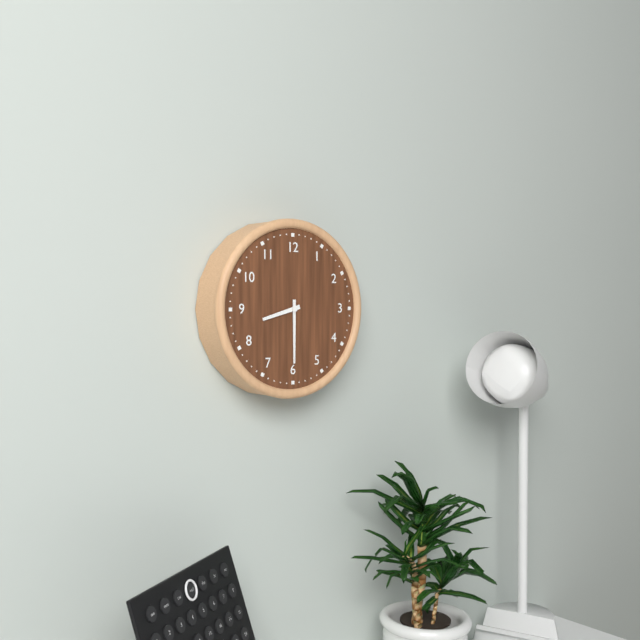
8.30
